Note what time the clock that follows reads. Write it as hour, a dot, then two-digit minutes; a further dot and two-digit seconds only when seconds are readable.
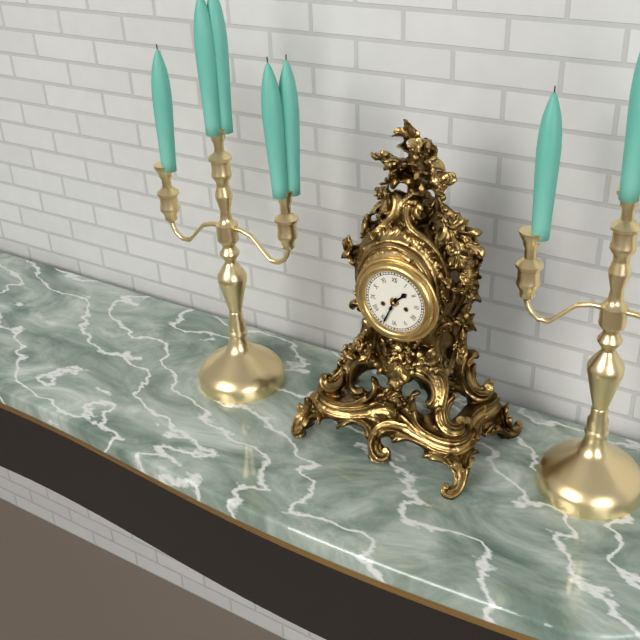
1.34
